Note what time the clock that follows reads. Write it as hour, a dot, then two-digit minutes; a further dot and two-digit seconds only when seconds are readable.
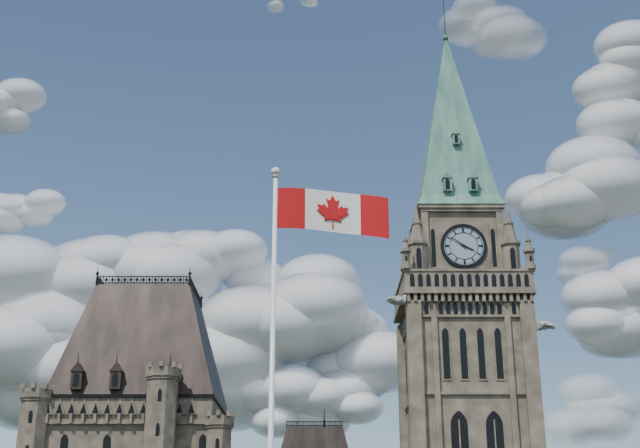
3.51
